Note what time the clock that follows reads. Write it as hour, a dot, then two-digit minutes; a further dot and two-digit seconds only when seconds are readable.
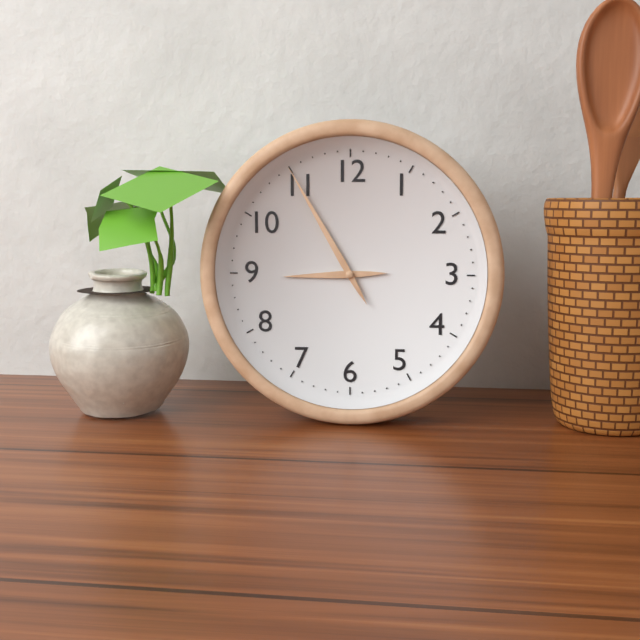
8.55
